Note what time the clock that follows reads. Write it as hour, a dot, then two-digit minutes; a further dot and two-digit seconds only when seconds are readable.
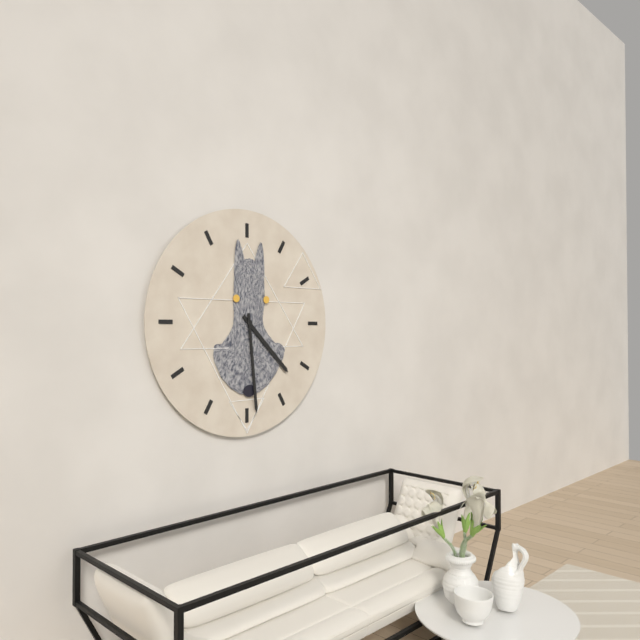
4.29
